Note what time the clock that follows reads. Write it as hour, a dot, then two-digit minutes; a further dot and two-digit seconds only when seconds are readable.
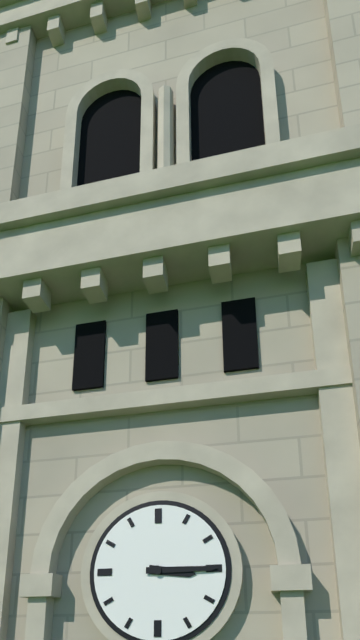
3.15
